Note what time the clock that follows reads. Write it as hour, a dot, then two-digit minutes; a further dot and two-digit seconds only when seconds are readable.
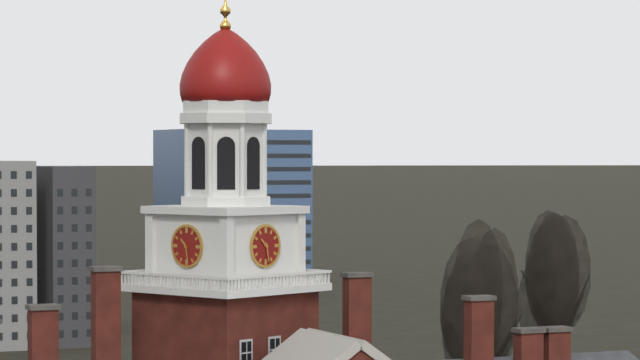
10.28
